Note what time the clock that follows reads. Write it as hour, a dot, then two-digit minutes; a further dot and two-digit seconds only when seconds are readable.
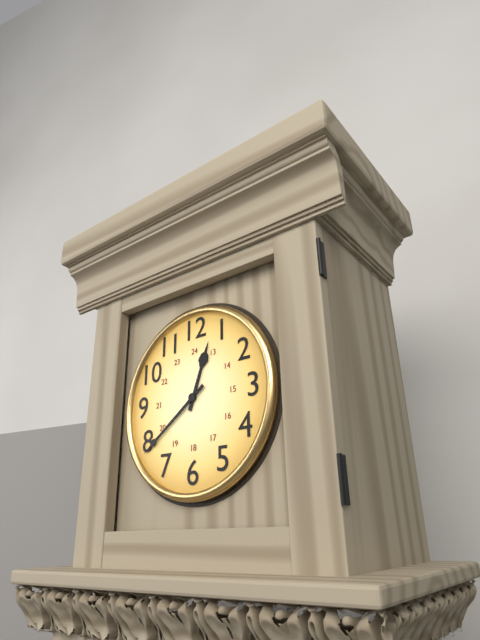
12.39
